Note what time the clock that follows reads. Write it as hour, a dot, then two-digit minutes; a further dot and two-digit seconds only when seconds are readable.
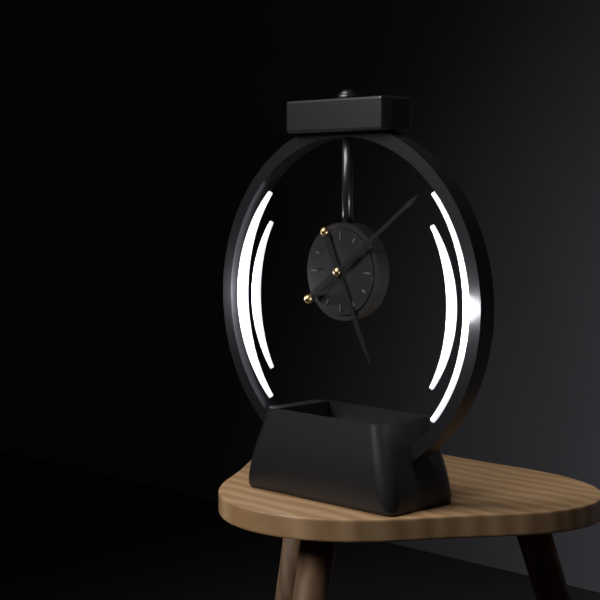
5.09
